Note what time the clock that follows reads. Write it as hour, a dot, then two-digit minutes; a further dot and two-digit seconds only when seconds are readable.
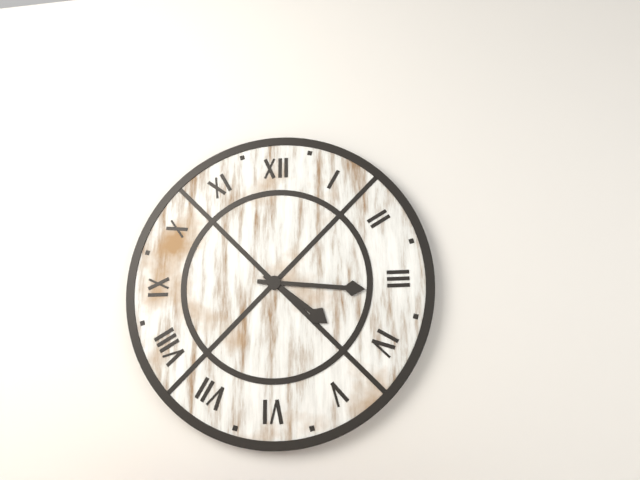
4.16
